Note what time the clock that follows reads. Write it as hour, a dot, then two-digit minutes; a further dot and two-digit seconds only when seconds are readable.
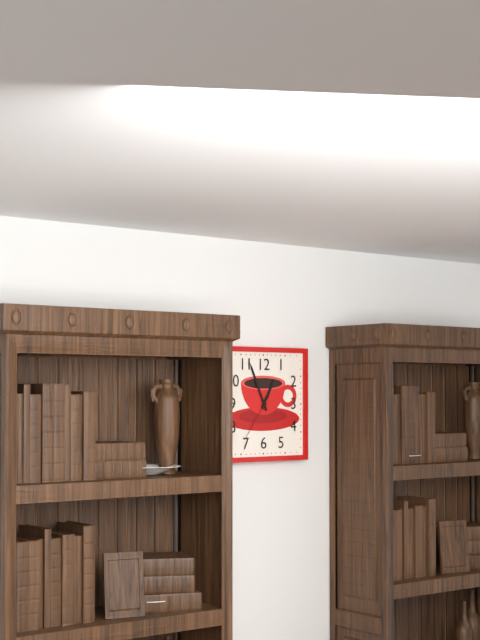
12.56.36
